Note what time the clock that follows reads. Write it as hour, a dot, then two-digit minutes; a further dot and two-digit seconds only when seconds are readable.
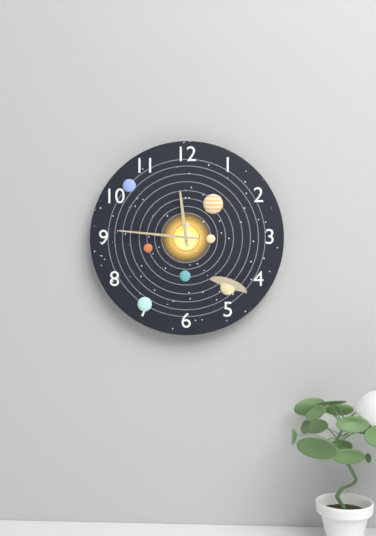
11.46
